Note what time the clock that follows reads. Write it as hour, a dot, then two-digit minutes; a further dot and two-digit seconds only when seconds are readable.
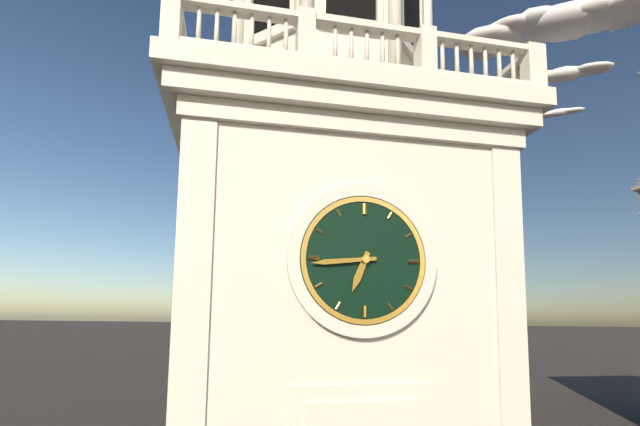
6.44
